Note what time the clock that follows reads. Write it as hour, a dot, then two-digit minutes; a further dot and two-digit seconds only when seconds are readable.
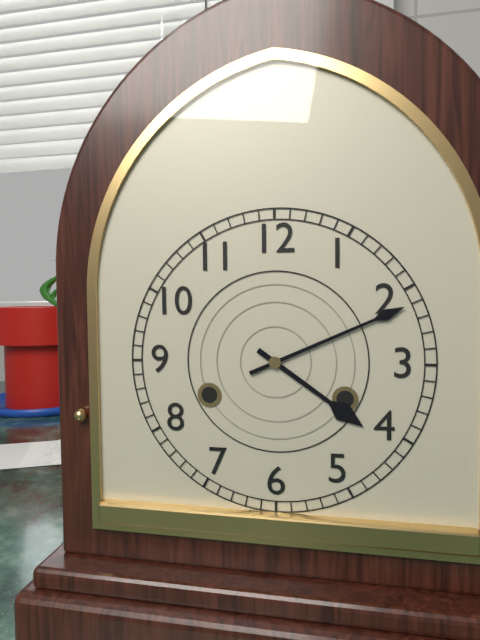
4.11
